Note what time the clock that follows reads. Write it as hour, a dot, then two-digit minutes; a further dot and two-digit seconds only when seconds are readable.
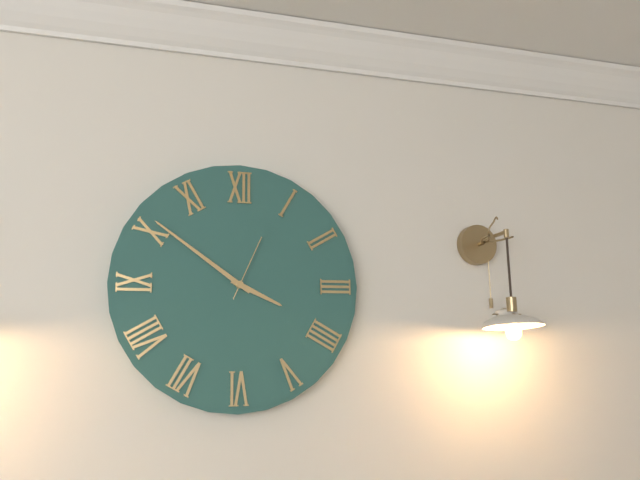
3.51.04
